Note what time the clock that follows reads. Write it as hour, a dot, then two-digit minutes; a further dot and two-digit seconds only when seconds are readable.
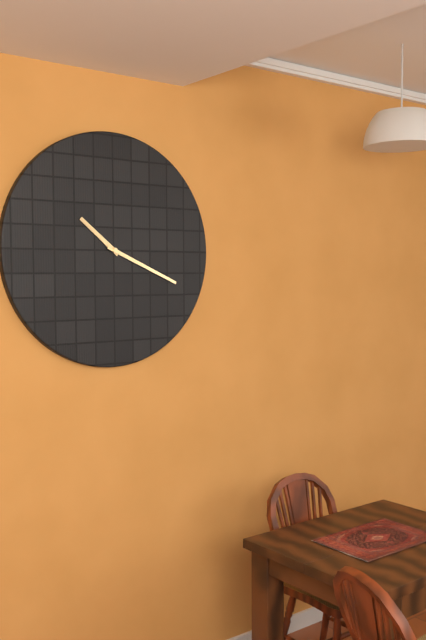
10.19
